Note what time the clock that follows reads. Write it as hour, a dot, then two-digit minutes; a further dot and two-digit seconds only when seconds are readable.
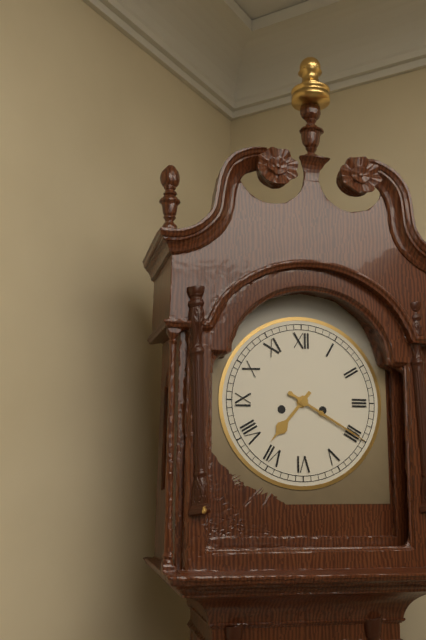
7.20
